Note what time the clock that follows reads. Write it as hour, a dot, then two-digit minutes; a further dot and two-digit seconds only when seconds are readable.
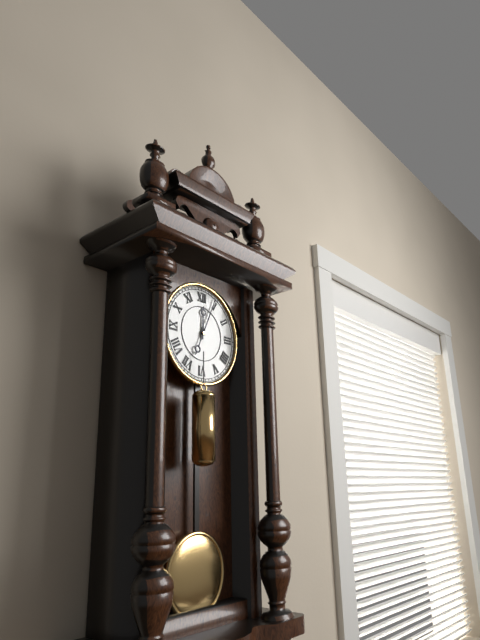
12.04
